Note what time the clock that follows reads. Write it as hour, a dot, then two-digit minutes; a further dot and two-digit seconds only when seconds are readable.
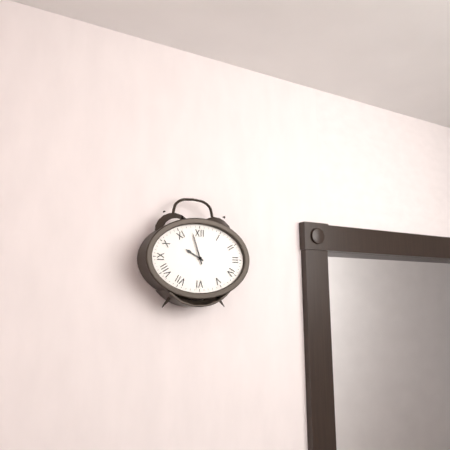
9.57
